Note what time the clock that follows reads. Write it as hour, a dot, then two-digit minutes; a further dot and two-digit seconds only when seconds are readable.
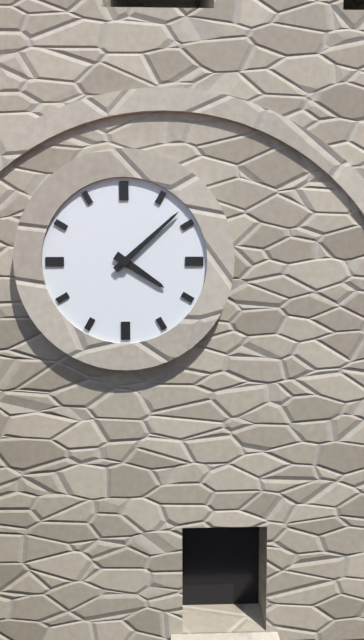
4.08
